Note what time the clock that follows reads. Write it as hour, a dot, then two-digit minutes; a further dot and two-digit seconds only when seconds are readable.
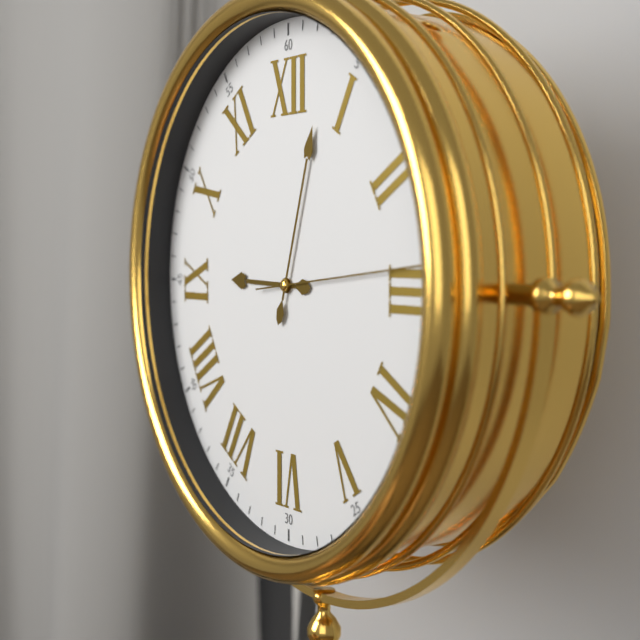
9.03.14
